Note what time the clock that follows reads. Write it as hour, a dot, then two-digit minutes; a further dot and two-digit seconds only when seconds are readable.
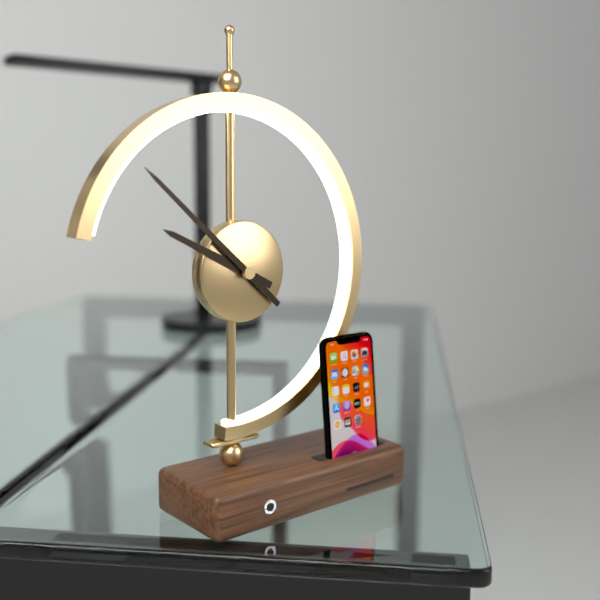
9.52
